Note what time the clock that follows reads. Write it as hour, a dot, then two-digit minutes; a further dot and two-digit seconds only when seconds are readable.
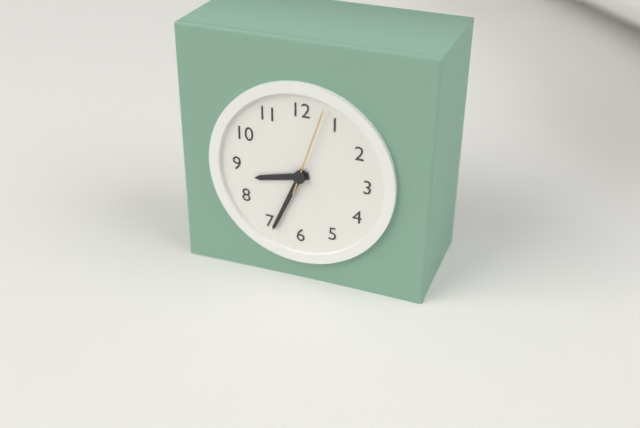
8.34.03
